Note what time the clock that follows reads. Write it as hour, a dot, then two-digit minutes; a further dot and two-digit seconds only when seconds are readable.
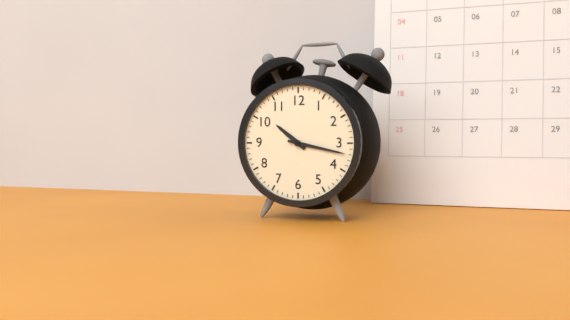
10.17
